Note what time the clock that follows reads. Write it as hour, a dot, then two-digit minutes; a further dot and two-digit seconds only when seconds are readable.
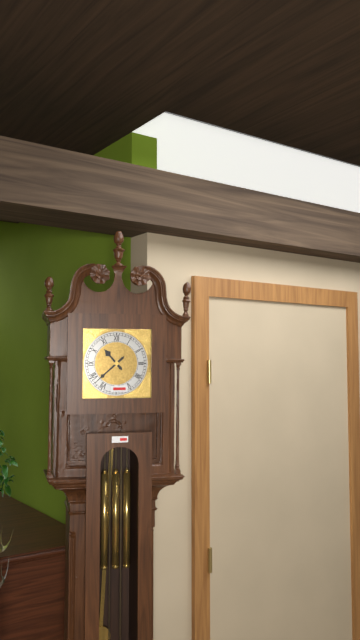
10.38
